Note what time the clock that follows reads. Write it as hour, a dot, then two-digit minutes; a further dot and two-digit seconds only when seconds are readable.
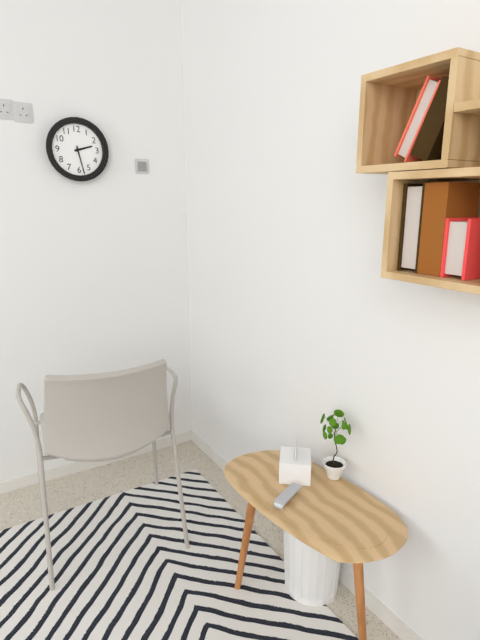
2.28
